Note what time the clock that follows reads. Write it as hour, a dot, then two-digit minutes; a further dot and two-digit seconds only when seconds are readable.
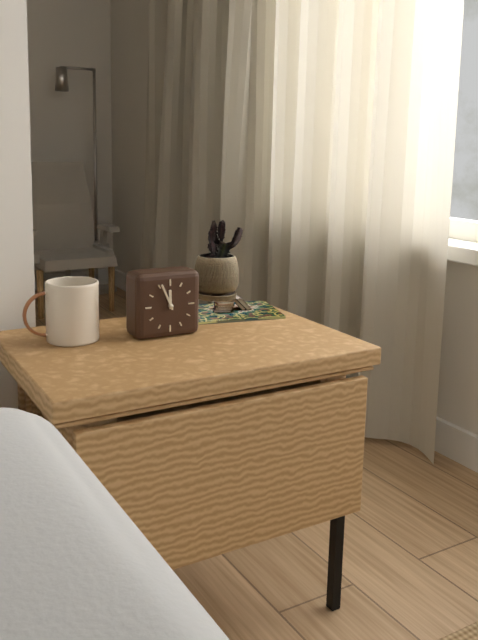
11.56
